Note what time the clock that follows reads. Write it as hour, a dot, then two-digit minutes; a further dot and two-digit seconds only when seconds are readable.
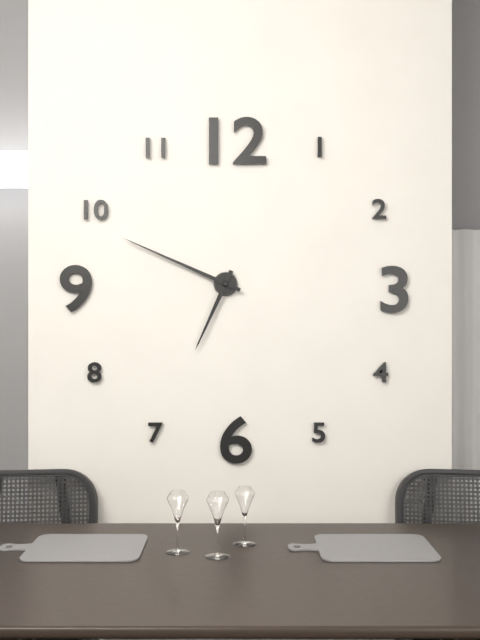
6.49
